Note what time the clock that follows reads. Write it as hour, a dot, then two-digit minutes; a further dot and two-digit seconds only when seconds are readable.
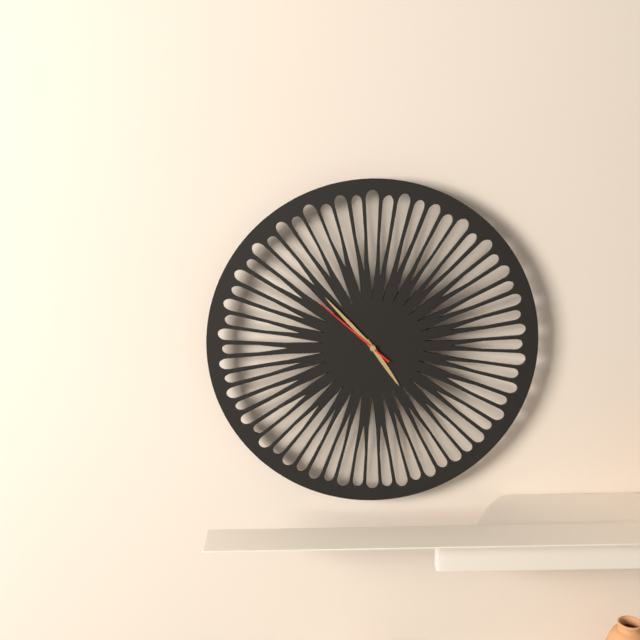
4.53.52
